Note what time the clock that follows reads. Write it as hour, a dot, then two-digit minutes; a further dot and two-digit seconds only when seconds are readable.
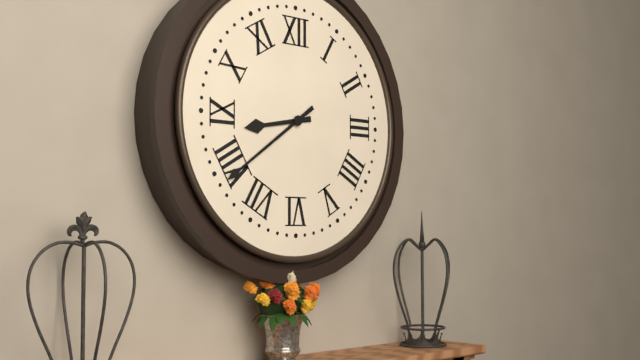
8.39
